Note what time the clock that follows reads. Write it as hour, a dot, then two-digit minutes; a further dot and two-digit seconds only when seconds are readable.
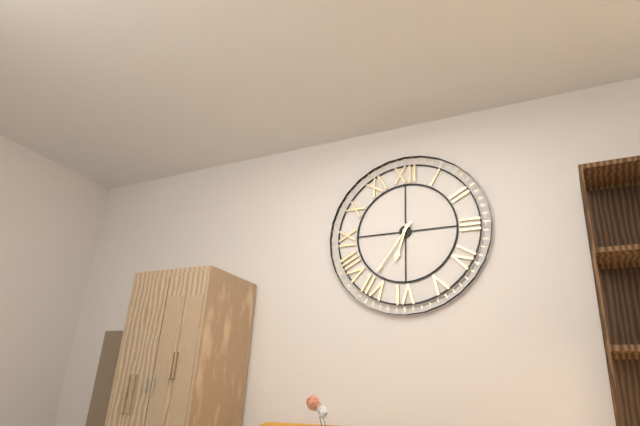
6.36
